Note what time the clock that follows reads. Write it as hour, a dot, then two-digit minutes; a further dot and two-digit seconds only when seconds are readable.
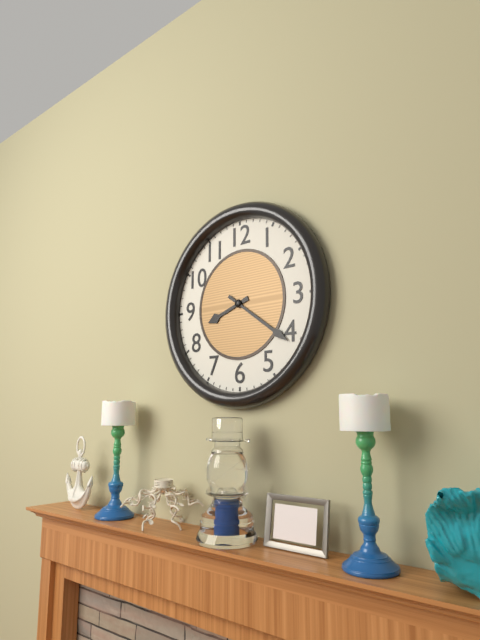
8.21
